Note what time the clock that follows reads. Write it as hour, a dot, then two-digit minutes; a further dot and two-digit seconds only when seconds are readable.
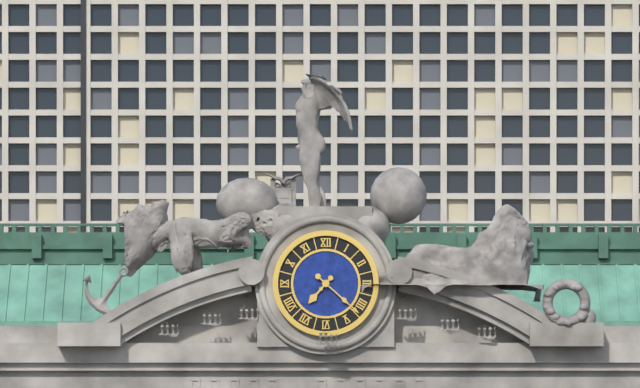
7.22
